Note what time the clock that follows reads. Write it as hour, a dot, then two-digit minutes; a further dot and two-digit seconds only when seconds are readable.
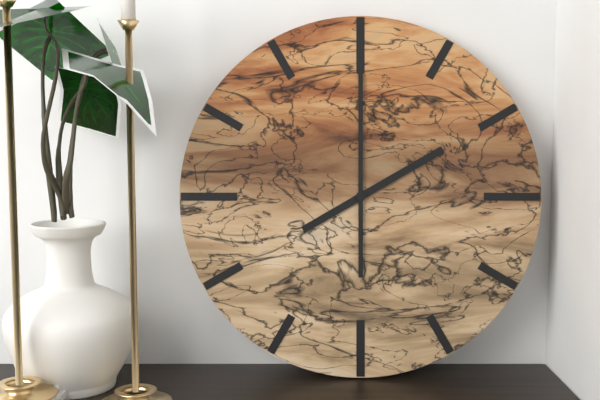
2.00
